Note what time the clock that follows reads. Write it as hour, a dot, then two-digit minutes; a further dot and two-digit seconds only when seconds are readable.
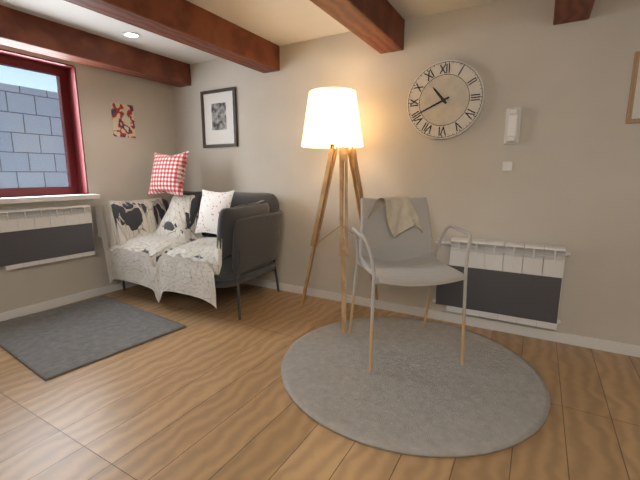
10.41
